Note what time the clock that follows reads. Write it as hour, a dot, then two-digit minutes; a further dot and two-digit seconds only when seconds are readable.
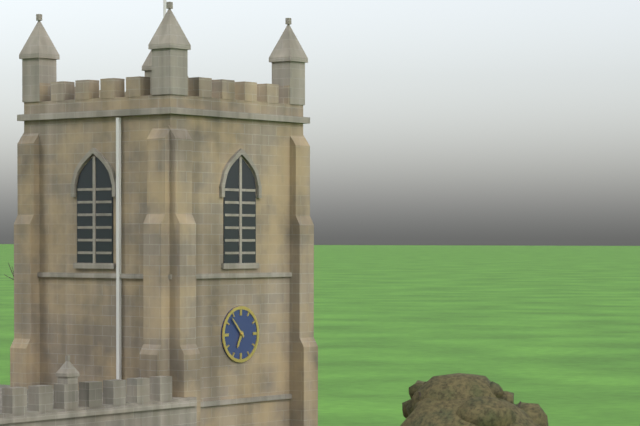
6.53
